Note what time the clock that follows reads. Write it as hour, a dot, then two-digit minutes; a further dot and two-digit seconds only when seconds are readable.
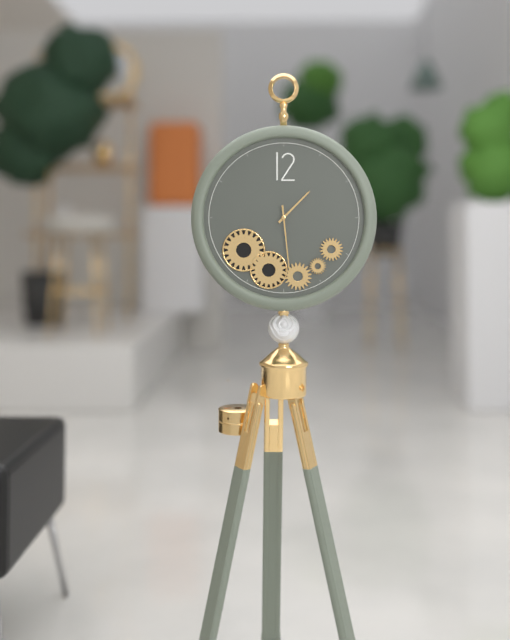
1.29
